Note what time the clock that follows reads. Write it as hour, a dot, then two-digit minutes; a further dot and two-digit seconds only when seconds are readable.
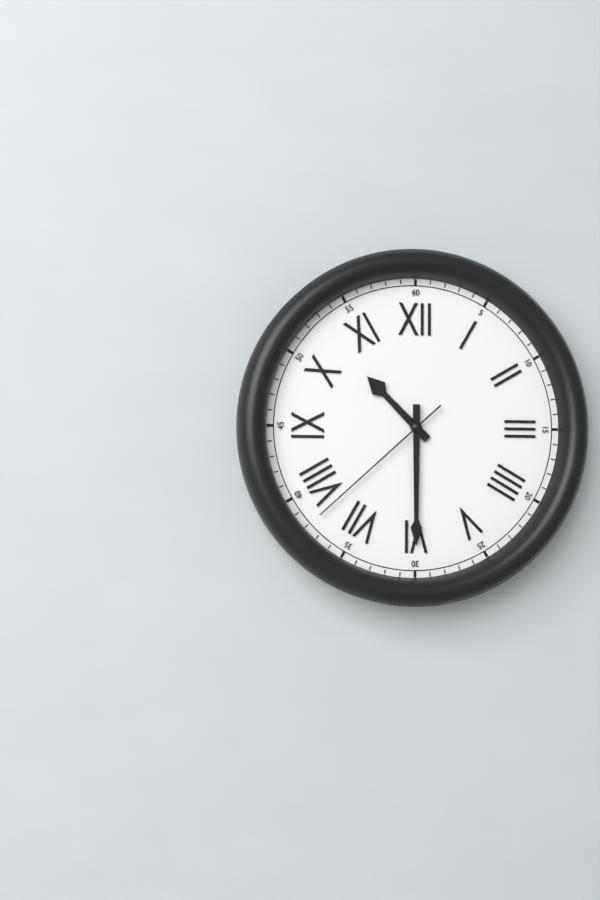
10.30.38
